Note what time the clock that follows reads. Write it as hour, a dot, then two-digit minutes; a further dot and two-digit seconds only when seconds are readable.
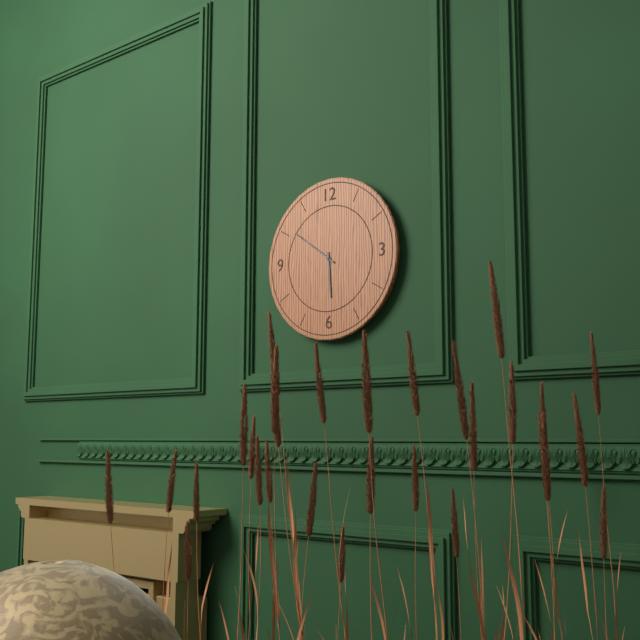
5.51
